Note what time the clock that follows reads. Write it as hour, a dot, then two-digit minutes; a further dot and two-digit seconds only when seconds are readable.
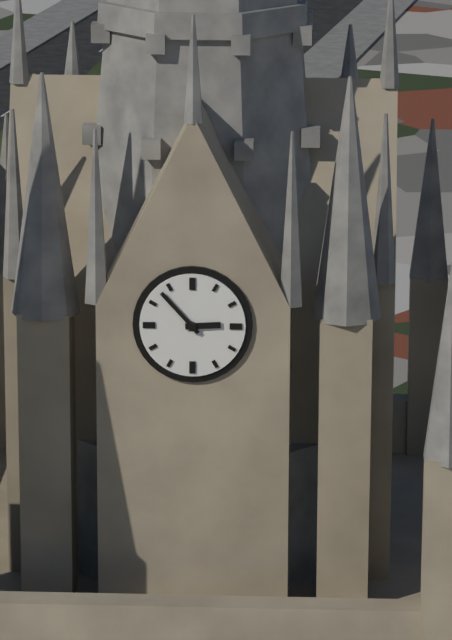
2.53
